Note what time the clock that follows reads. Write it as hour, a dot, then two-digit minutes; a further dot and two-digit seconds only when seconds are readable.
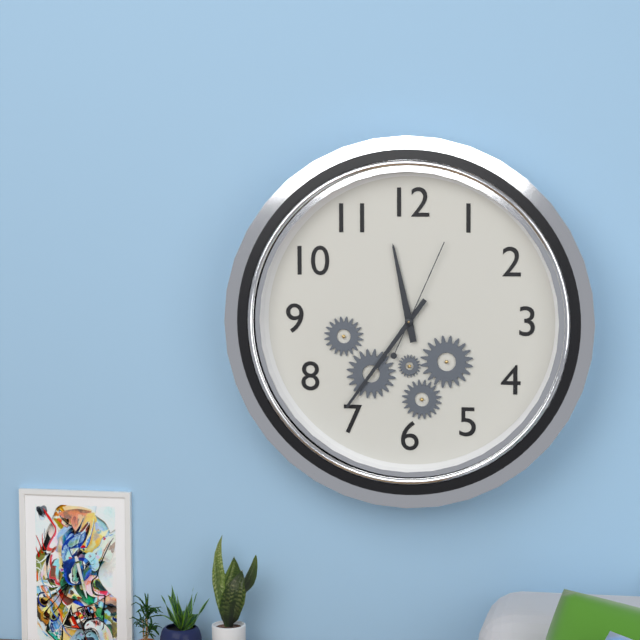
11.36.04
